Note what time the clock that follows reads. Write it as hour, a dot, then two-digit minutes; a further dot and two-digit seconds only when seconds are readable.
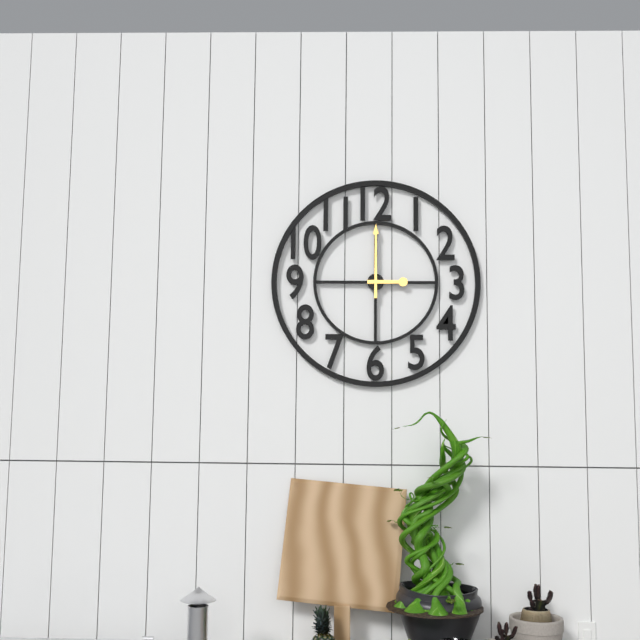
3.00
